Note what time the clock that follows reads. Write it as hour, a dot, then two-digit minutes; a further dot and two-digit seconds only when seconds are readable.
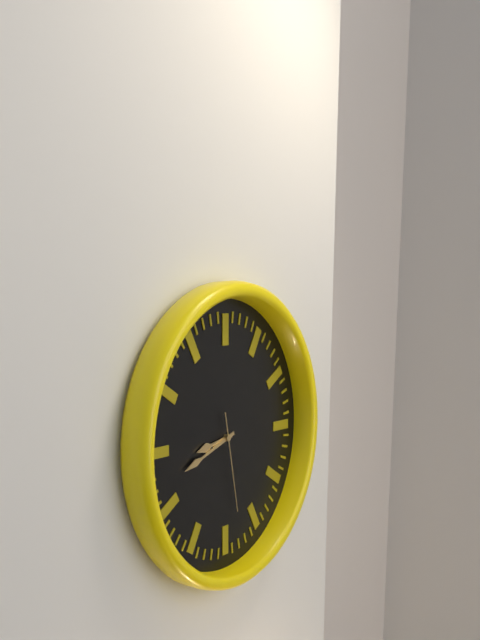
8.42.28
